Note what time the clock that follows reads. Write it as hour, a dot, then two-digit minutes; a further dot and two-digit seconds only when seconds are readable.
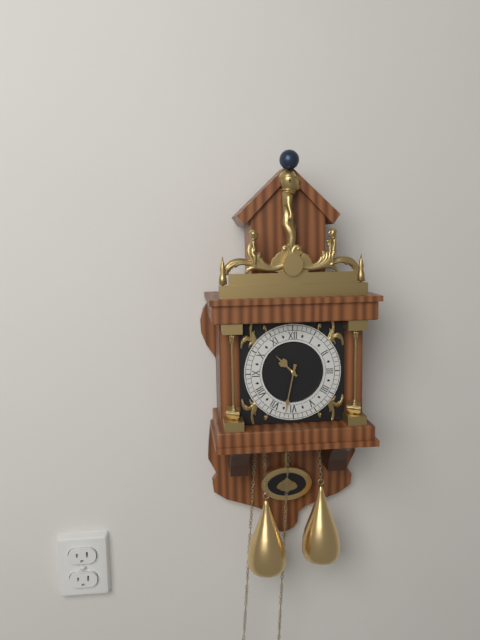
10.32
